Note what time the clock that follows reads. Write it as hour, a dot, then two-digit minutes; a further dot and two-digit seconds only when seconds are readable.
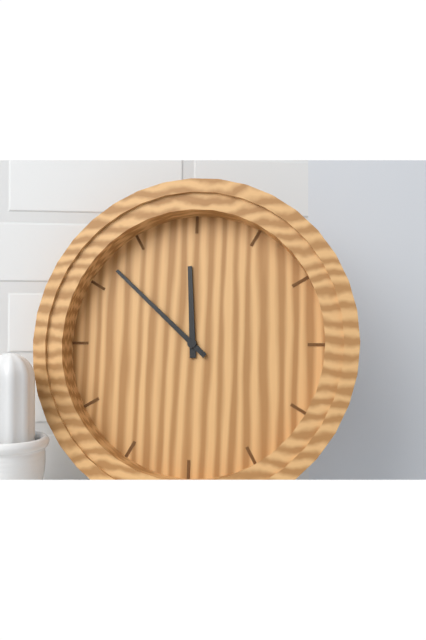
11.52
